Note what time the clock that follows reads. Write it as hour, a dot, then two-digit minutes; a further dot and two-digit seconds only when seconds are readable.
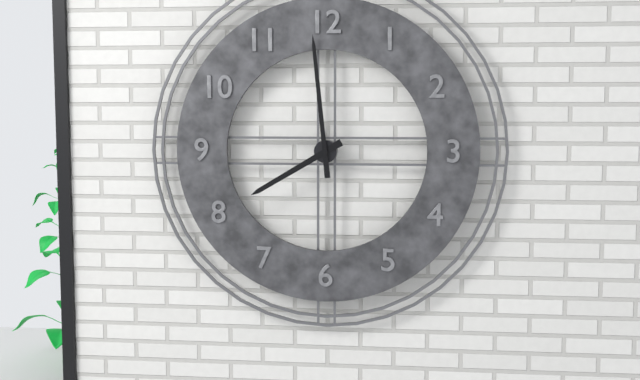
7.59
